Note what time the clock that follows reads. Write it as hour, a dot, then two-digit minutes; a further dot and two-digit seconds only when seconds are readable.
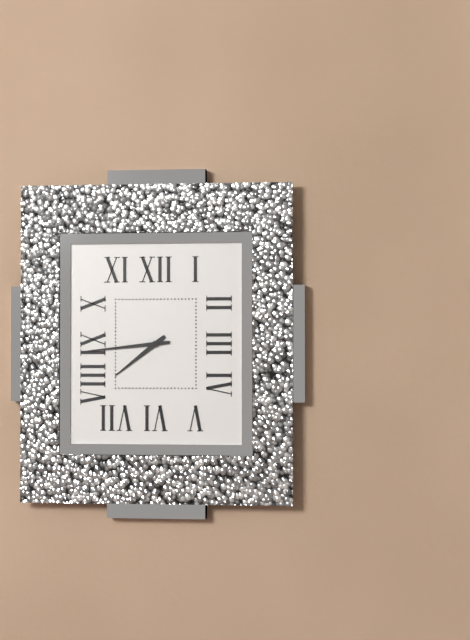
7.44
